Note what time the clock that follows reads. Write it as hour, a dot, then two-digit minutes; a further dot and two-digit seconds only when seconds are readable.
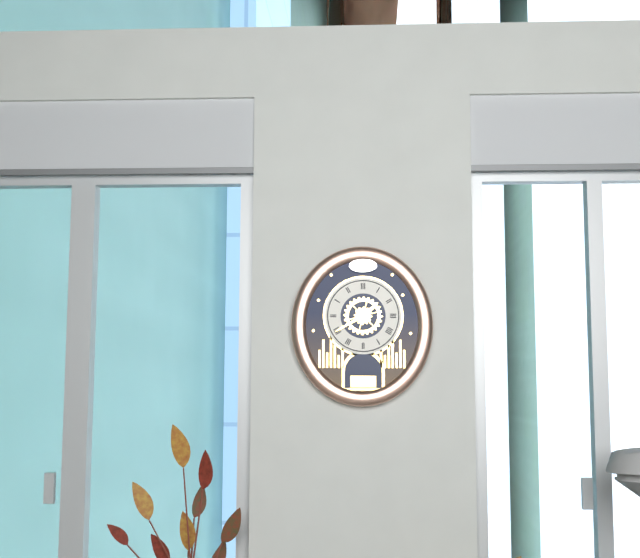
1.40
